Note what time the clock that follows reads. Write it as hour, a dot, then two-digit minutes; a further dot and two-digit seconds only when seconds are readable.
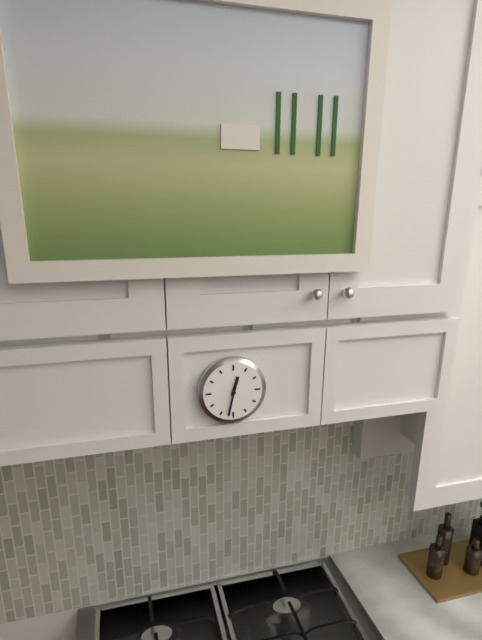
12.32
